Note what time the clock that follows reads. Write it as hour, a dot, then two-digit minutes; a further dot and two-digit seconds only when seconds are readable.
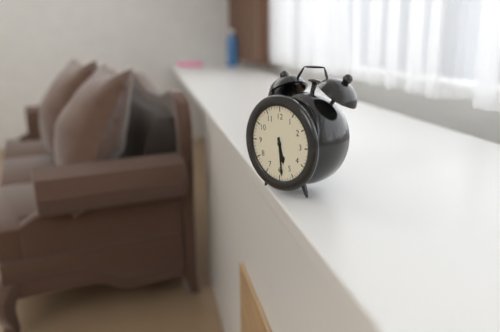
5.29
